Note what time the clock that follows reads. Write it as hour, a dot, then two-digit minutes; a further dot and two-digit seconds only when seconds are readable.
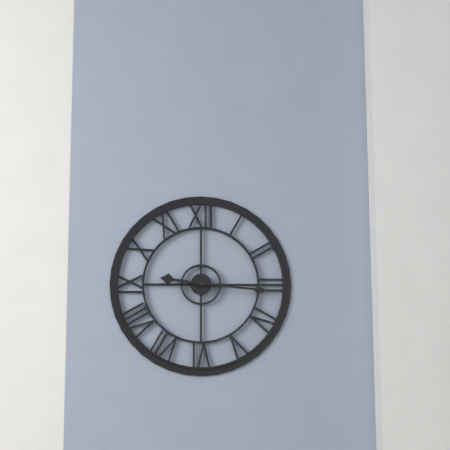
9.16
